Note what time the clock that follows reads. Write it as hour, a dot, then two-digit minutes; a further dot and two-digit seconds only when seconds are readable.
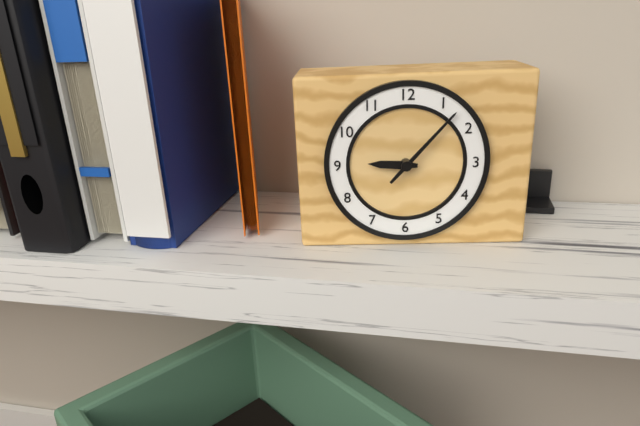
9.07
